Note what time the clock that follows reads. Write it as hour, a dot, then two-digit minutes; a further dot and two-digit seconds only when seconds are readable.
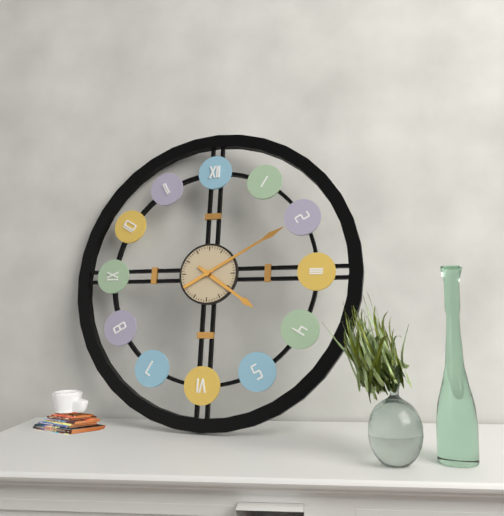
4.10
